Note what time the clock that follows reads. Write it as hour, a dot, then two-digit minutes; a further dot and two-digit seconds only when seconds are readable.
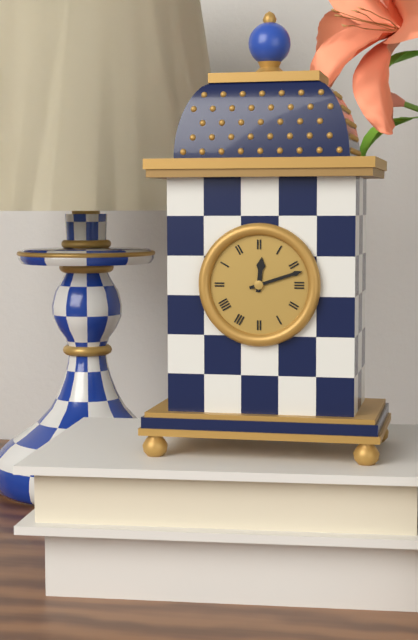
12.12
